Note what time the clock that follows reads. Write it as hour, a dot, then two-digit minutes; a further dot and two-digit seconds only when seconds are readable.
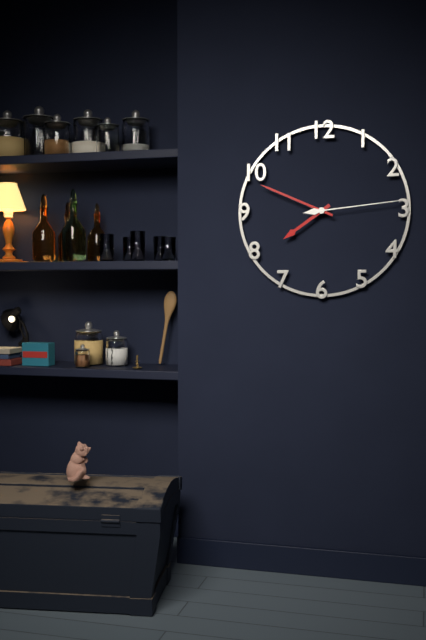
7.49.14
